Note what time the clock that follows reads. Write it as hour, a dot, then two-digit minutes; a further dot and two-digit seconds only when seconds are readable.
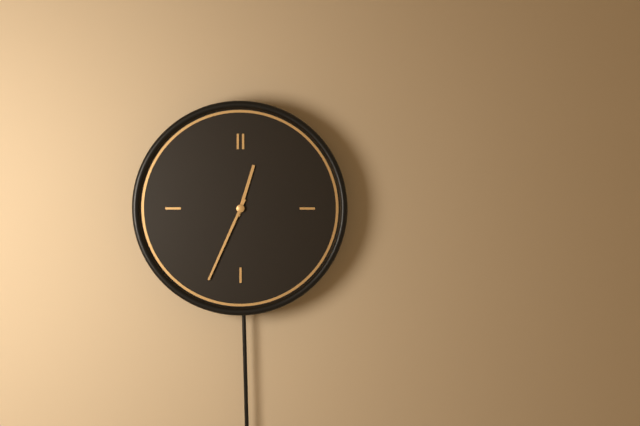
12.34
